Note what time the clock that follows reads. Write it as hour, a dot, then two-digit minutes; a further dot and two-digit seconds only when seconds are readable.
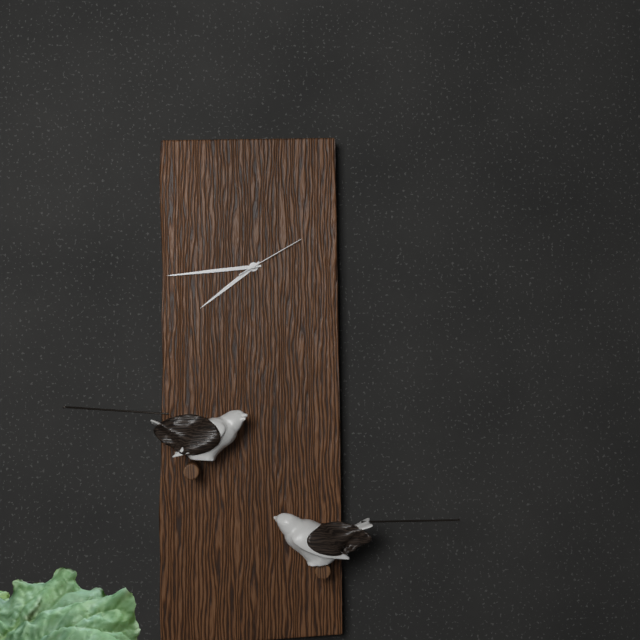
7.44.10
